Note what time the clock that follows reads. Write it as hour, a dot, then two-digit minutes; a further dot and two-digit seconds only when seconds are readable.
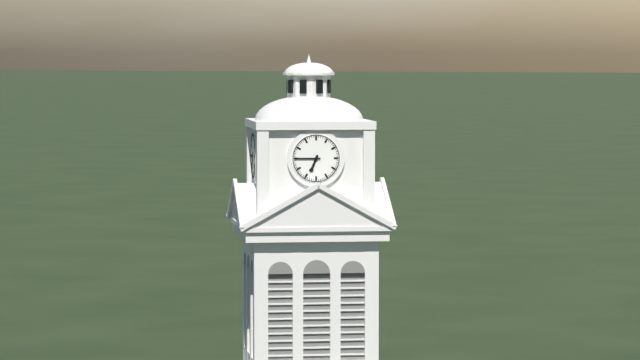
6.45
